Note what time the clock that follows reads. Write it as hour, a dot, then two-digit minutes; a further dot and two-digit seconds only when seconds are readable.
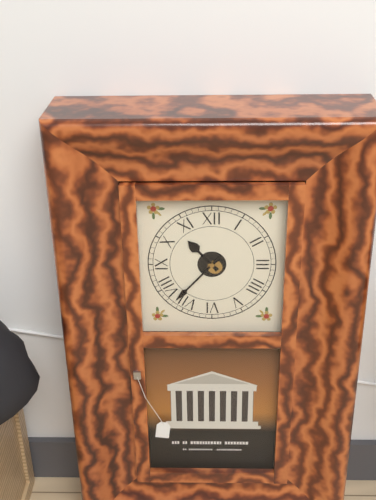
10.37
